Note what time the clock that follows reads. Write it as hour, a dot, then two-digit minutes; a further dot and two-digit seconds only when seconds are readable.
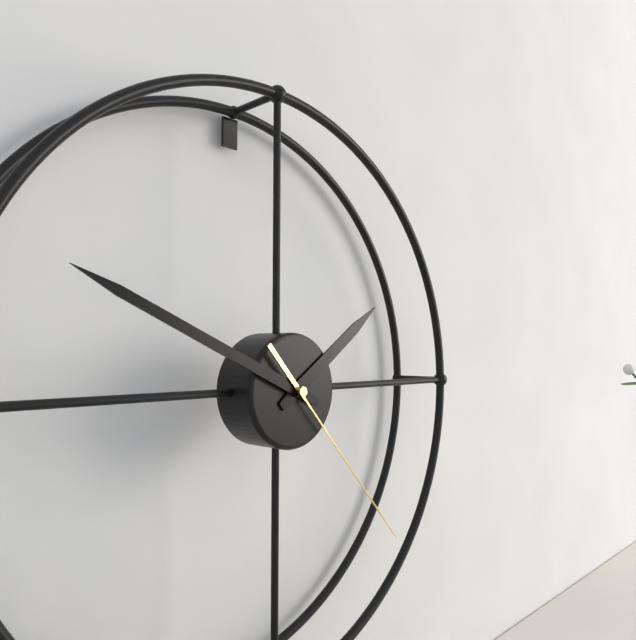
1.49.23
